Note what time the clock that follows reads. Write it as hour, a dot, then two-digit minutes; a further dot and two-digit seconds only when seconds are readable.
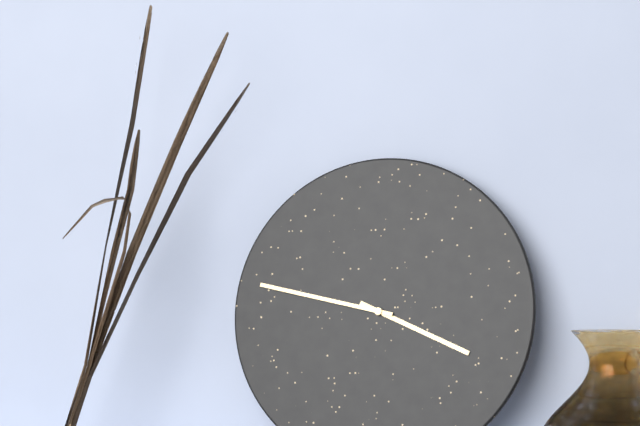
3.47
